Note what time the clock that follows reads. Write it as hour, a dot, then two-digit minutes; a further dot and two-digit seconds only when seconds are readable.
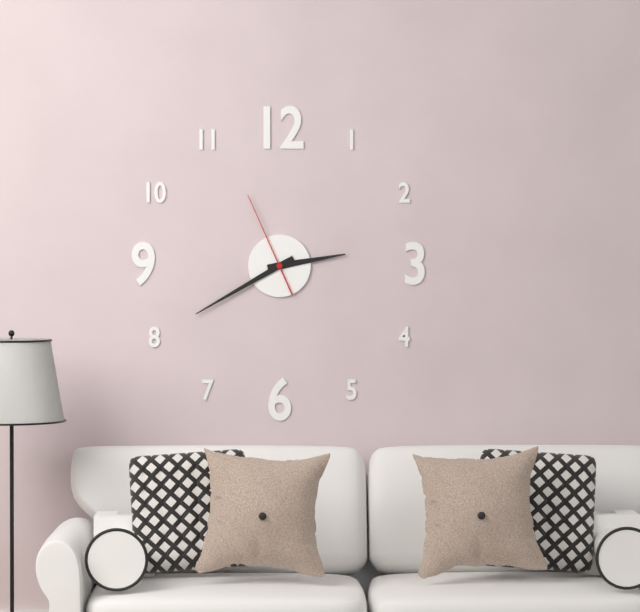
2.40.56
